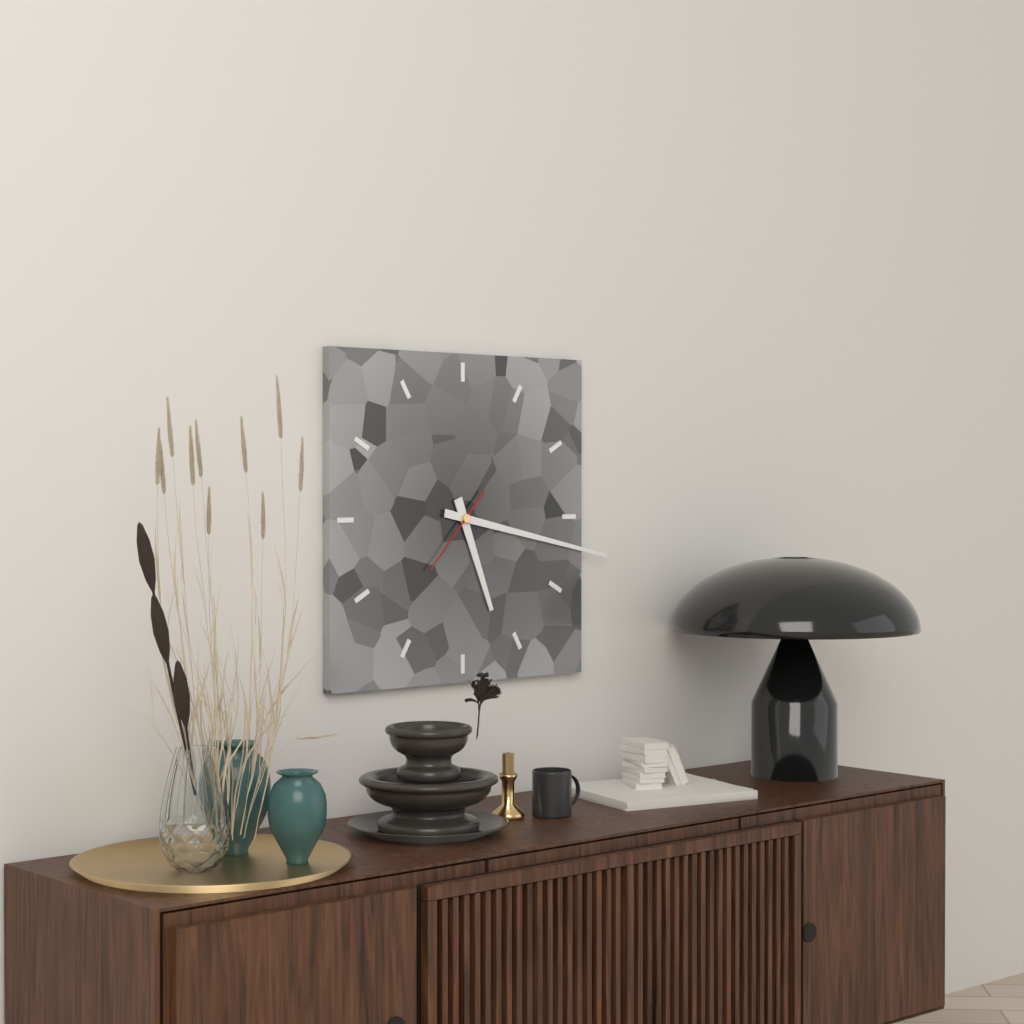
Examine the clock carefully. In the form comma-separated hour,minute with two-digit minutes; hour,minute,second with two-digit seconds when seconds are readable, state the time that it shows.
5,17,37
